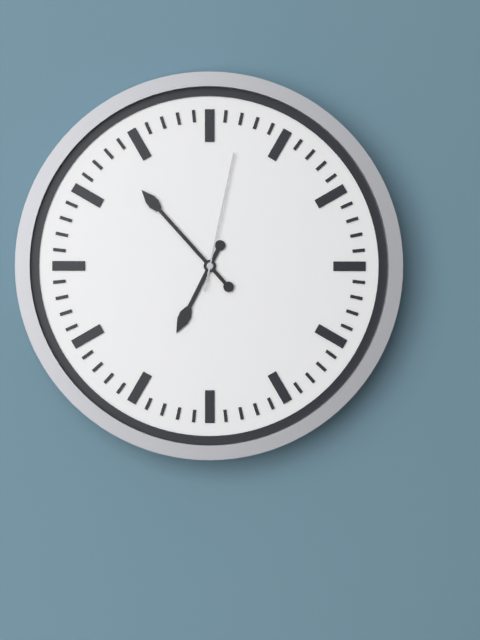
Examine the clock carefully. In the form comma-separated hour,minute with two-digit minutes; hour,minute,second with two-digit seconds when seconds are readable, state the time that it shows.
6,53,02
